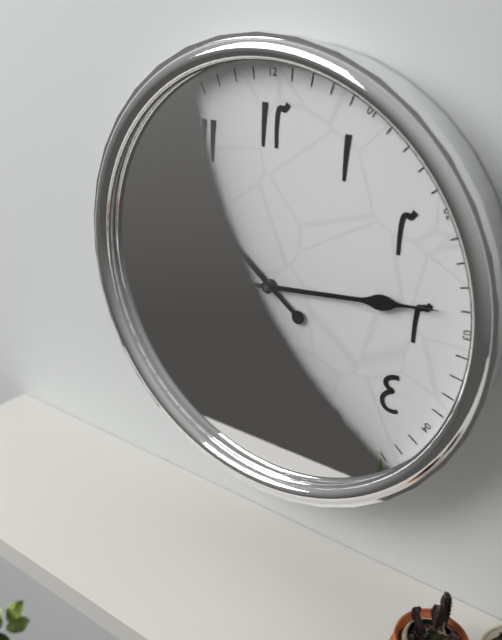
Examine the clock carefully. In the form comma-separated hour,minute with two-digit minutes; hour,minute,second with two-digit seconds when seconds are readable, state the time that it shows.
10,14
